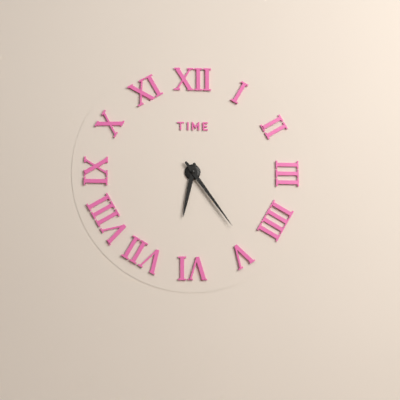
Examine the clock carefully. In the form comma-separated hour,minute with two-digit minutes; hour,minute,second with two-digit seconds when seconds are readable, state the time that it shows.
6,24
